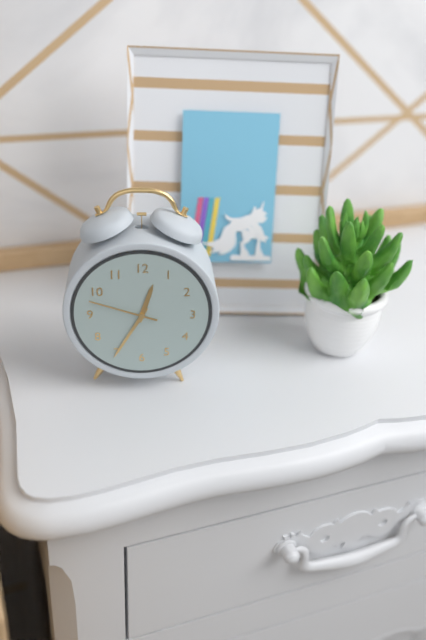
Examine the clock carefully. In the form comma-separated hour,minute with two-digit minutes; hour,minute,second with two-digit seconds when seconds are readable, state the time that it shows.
12,35,48
